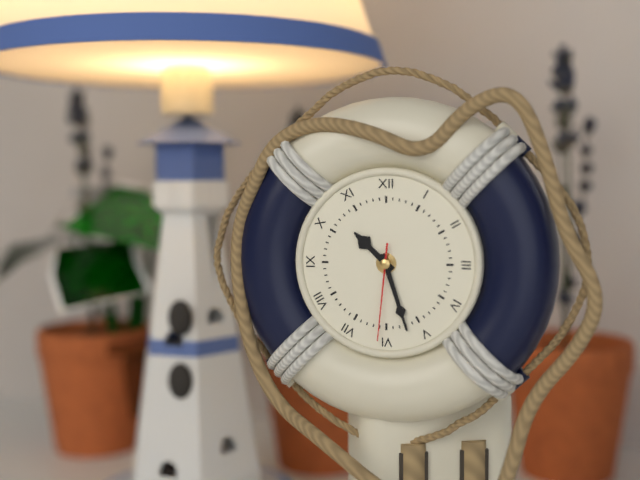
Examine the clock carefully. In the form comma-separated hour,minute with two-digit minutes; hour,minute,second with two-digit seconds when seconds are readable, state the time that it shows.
10,27,31
